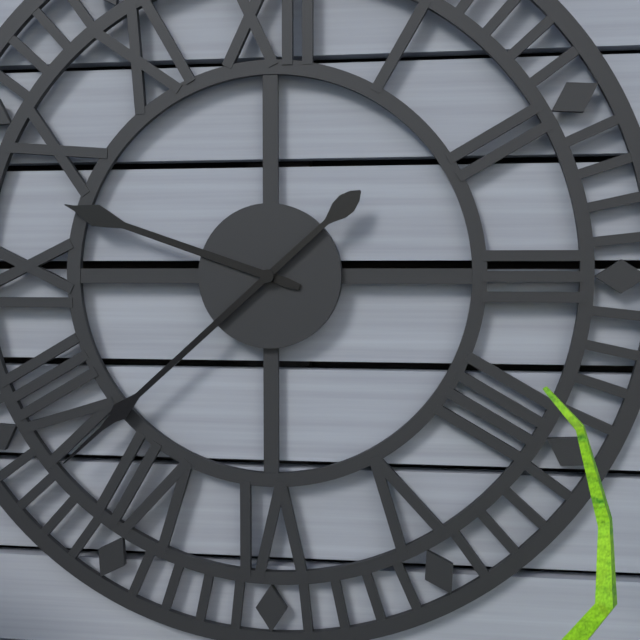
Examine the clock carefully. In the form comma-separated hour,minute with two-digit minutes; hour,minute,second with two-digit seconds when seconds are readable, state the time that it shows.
9,38
